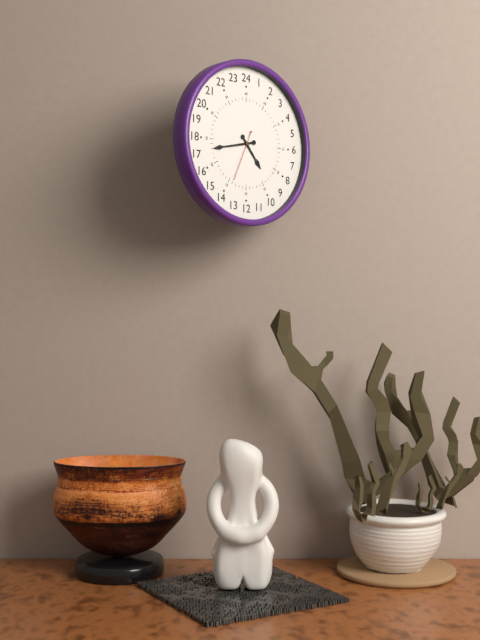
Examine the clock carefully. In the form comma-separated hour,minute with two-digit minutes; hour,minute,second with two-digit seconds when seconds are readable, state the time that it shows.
4,43
